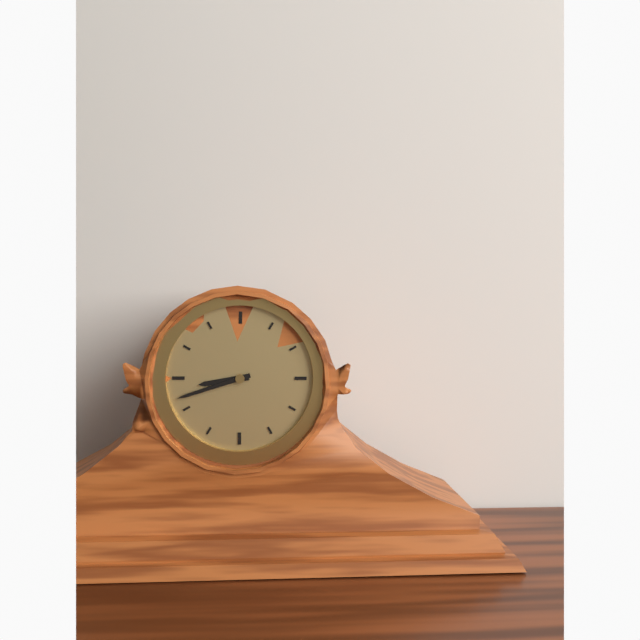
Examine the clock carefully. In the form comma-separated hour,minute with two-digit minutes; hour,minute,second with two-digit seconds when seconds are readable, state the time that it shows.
8,42
